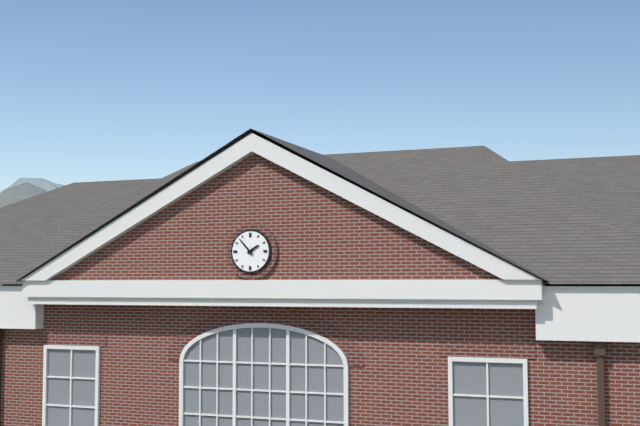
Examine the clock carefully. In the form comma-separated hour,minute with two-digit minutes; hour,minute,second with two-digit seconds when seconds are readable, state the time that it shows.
1,53
